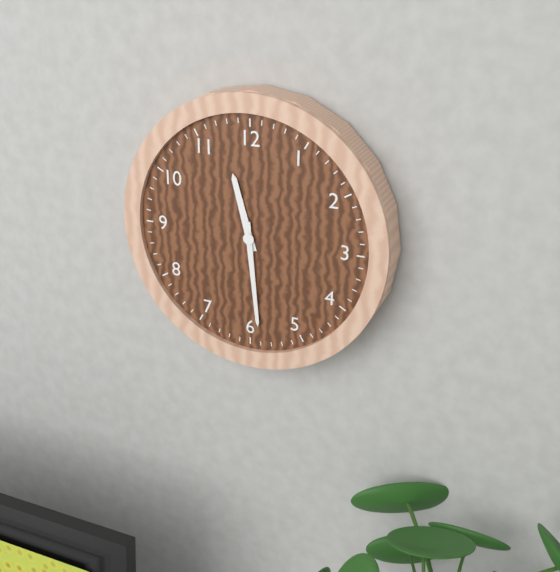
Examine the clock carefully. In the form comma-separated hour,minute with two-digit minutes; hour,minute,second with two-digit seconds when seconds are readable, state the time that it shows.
11,29
